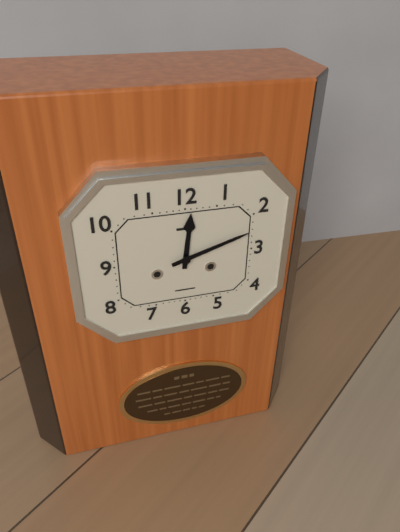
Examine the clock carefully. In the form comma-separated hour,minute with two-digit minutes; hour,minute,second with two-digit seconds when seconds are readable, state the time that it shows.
12,12
